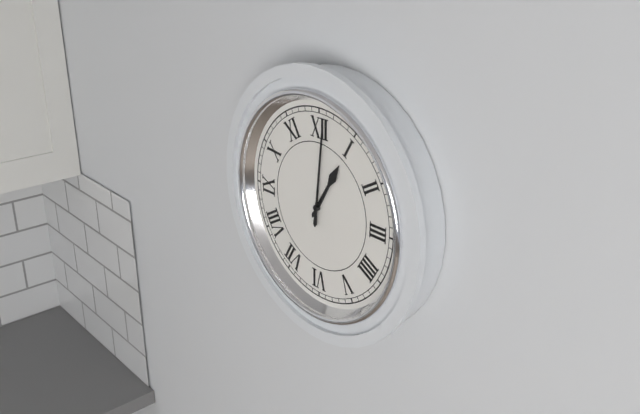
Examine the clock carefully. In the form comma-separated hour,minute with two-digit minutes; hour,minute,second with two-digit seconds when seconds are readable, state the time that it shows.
1,01
